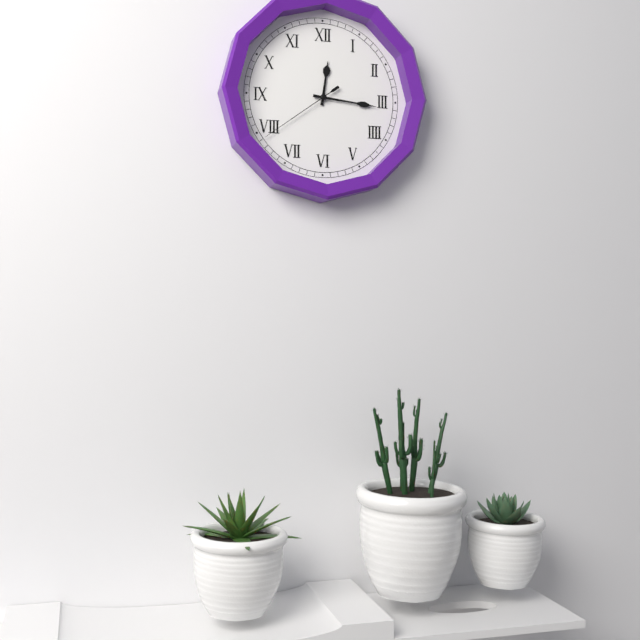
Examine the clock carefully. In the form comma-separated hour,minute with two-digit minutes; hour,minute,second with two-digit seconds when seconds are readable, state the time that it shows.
12,16,39
